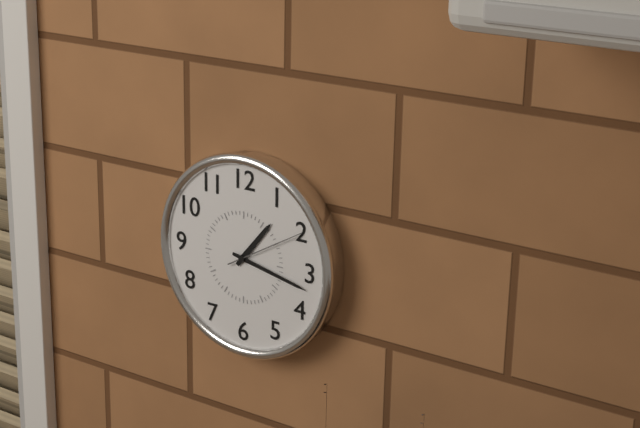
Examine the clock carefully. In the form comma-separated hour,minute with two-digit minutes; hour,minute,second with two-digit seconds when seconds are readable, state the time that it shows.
1,17,10
